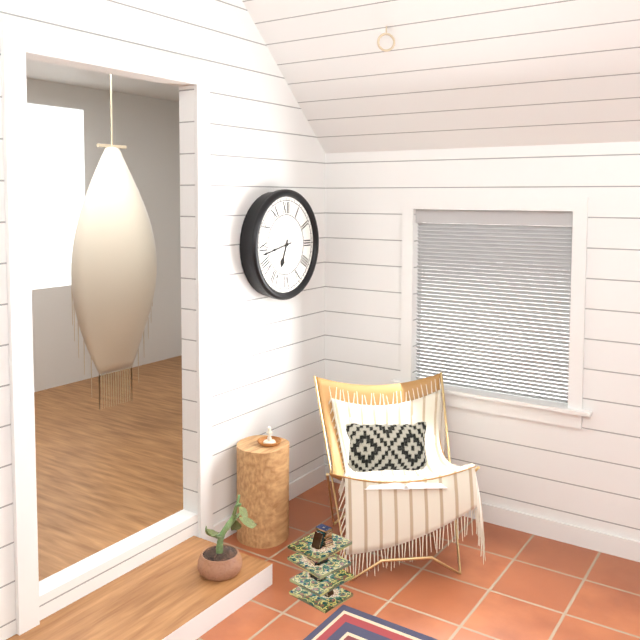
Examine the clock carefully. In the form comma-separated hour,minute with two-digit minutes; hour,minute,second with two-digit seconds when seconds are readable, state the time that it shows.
6,43
